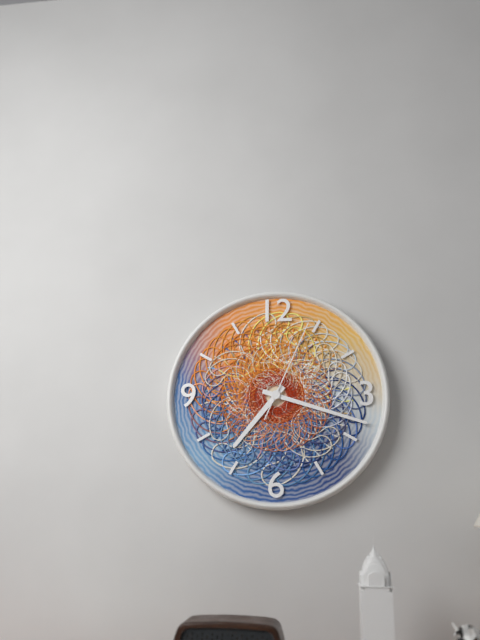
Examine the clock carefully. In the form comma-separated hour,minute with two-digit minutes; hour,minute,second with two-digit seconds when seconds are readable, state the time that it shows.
7,18,04
